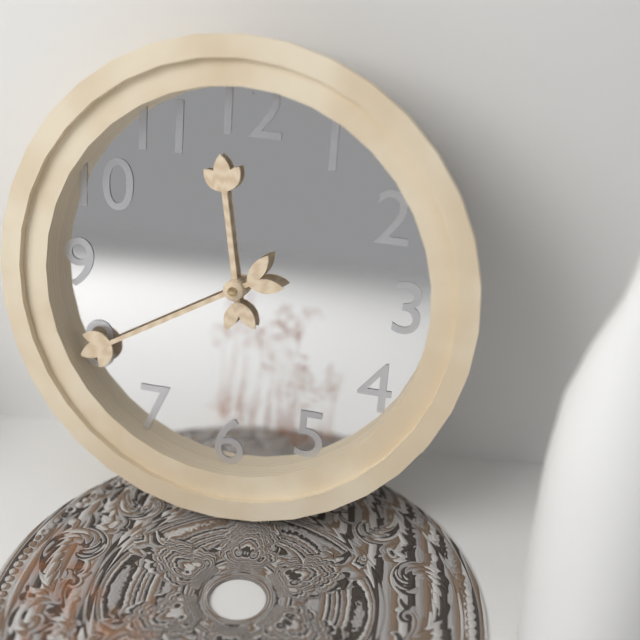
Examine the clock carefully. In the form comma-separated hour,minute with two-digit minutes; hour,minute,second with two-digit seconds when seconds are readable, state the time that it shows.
11,40
